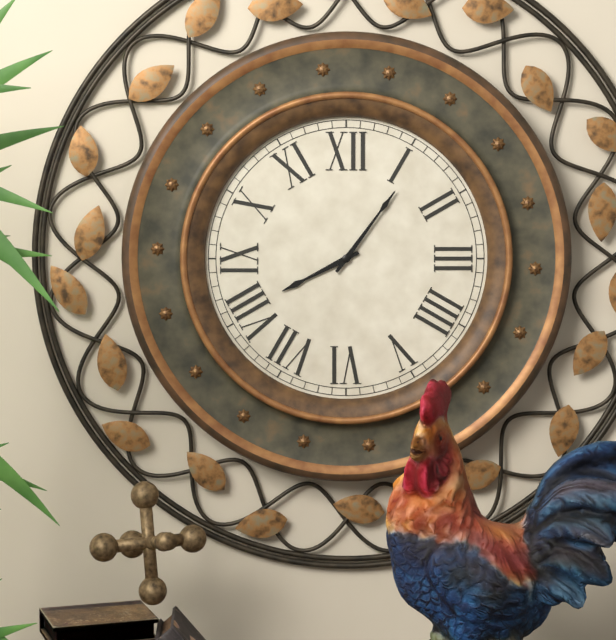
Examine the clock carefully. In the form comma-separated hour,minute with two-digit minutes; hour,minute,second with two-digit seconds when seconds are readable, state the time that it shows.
8,06
